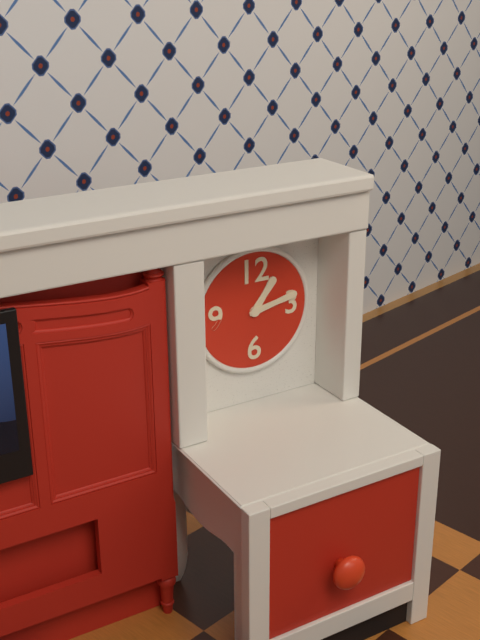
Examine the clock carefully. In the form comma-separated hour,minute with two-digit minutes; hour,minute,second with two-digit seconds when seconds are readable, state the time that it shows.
1,13
